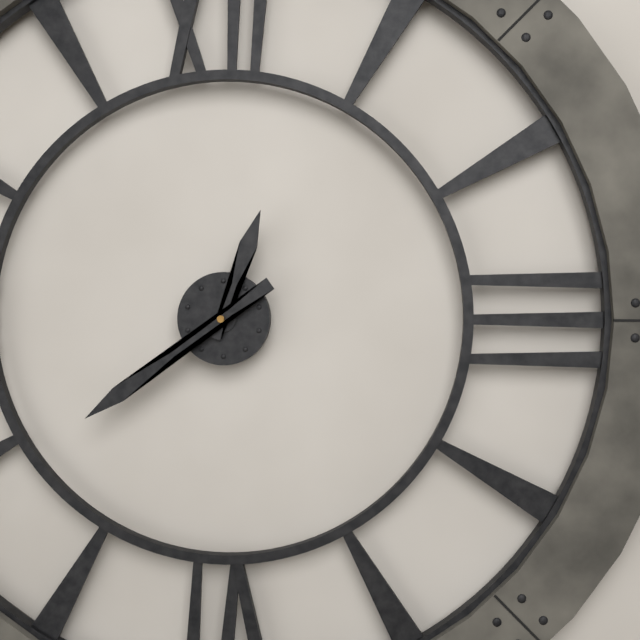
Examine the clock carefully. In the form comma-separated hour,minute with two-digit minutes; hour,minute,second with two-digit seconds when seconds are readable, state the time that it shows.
12,39
